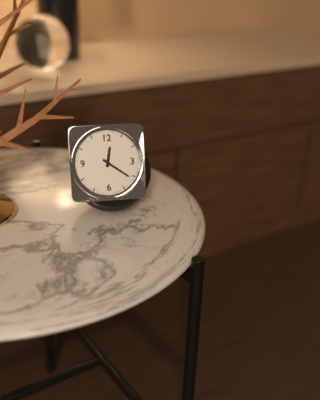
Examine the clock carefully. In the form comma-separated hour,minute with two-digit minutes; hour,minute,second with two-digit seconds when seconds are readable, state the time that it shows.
12,21
